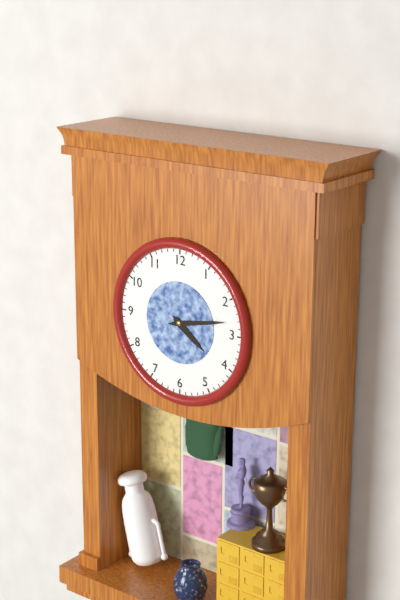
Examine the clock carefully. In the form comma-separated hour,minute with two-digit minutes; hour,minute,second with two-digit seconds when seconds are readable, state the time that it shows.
4,13
